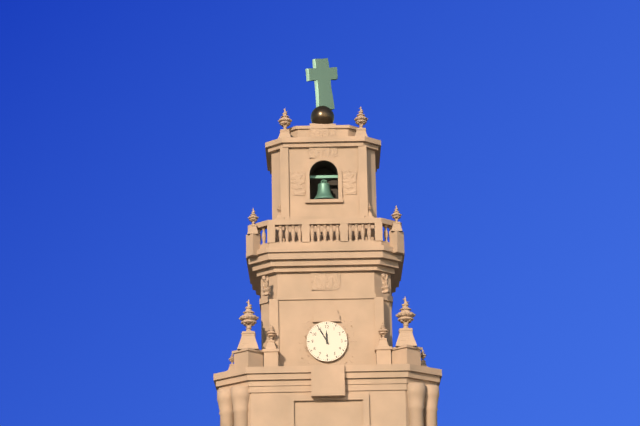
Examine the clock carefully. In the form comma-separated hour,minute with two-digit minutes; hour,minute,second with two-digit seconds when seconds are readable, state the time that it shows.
11,55
